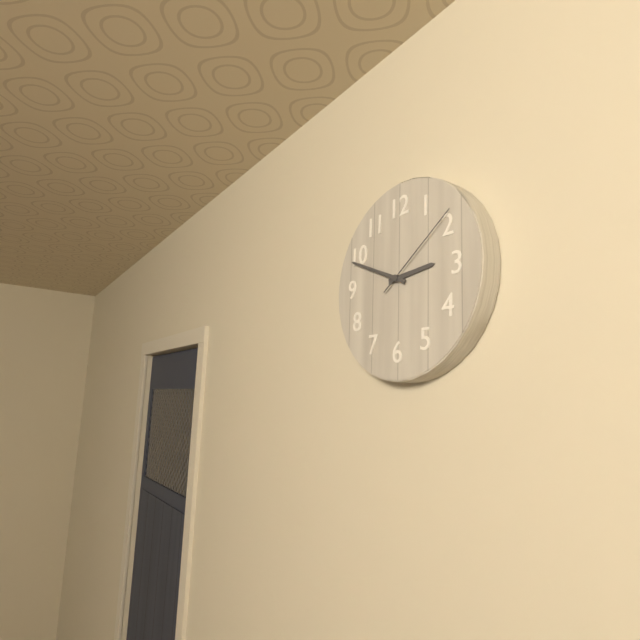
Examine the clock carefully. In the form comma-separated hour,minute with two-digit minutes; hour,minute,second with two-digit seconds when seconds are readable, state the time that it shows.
2,49,09
